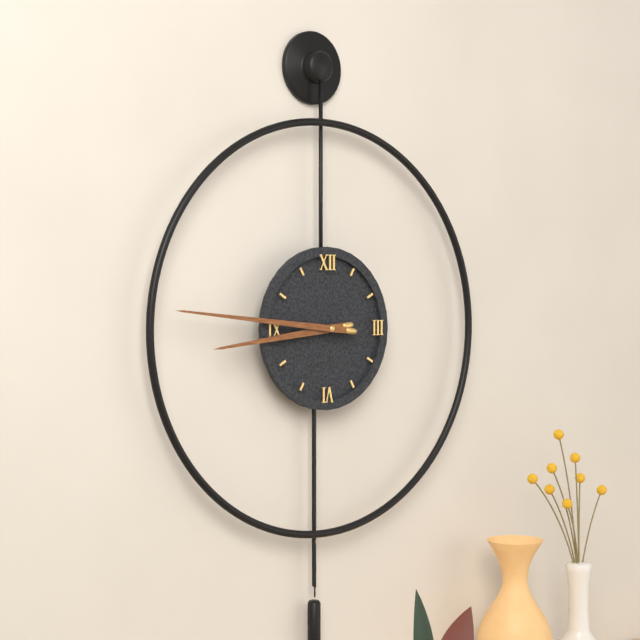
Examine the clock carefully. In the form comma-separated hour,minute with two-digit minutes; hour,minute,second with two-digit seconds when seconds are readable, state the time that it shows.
8,46
